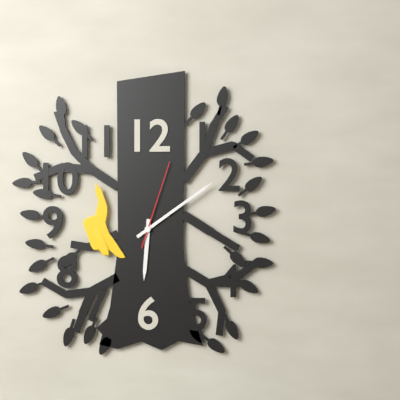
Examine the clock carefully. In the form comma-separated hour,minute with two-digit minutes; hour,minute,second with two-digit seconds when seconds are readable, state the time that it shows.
6,09,03
